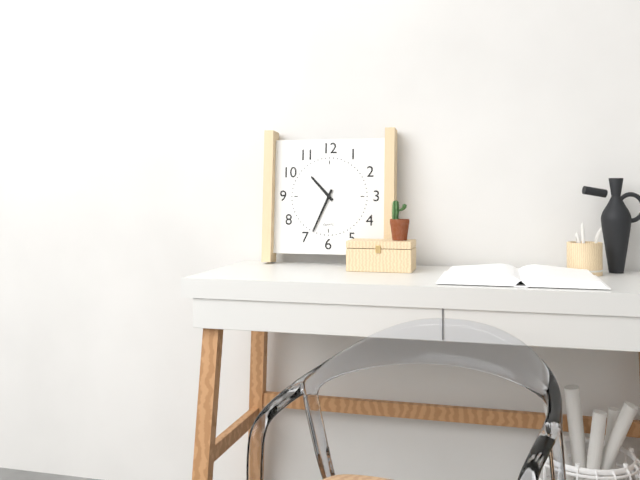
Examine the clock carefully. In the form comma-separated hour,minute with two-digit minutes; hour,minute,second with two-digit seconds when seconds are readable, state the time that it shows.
10,34
